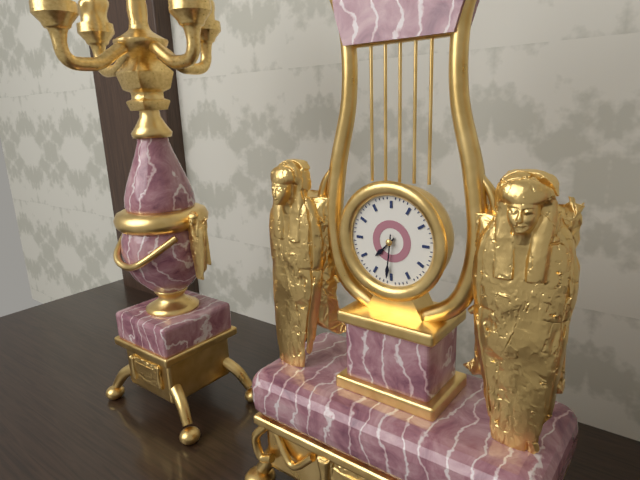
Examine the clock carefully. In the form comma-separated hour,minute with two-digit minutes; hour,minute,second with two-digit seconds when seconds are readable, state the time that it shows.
7,31
